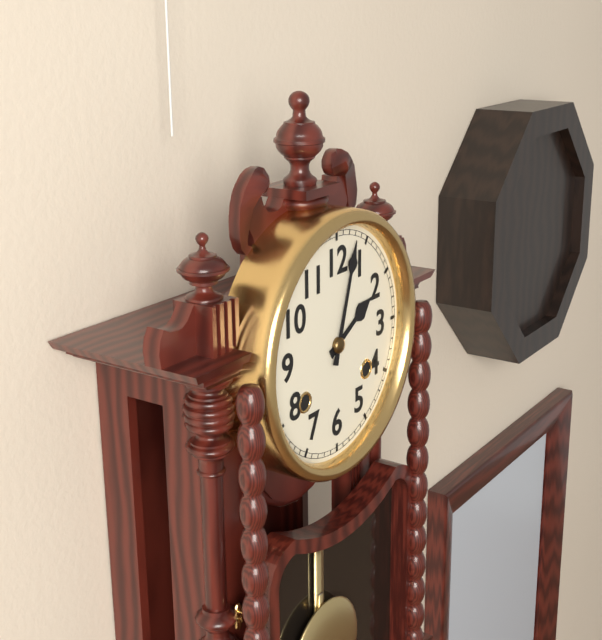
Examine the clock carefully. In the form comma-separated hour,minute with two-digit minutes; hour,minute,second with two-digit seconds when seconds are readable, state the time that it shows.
2,03
